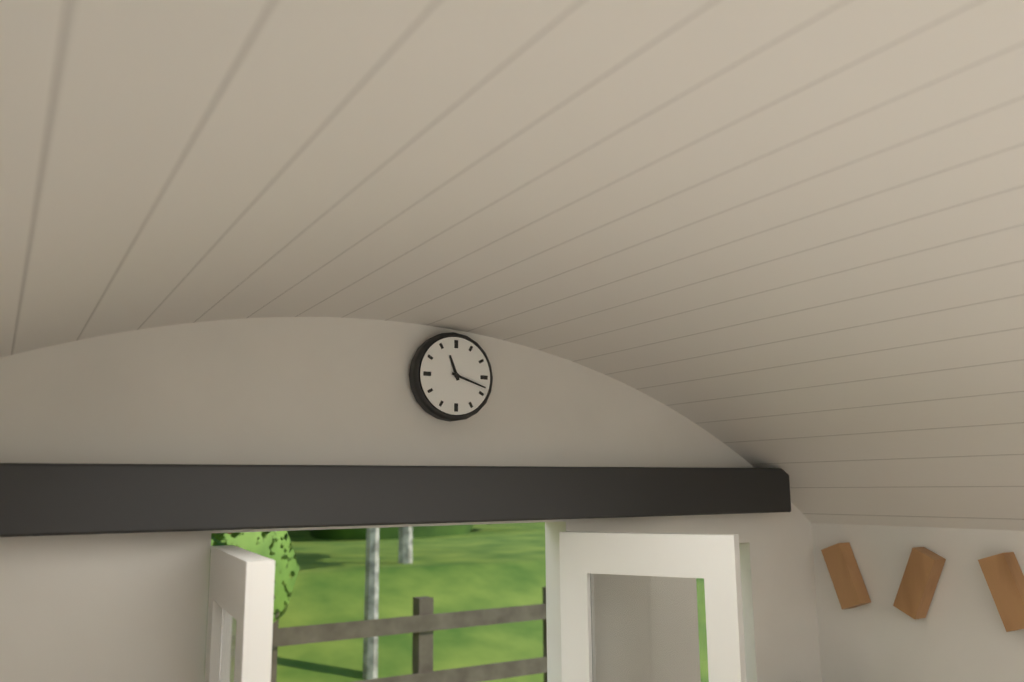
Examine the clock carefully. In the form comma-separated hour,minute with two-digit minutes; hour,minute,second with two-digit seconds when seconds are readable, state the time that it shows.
11,18
